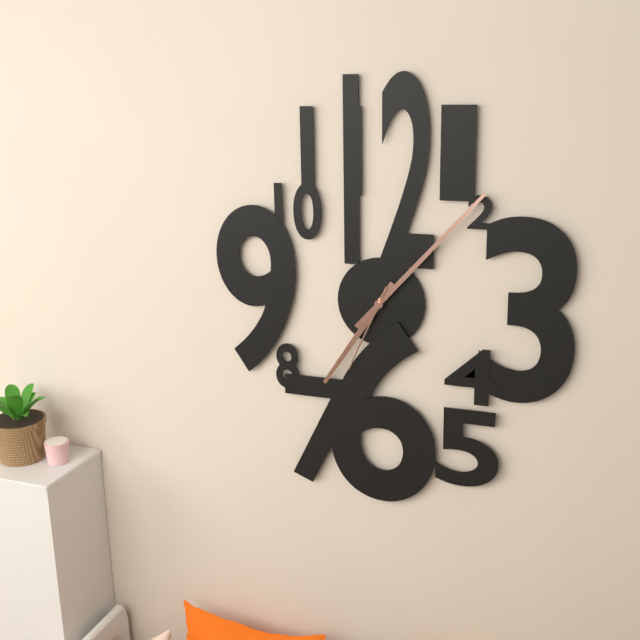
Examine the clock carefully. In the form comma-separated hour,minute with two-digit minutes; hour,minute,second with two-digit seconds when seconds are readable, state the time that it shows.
7,07,34
